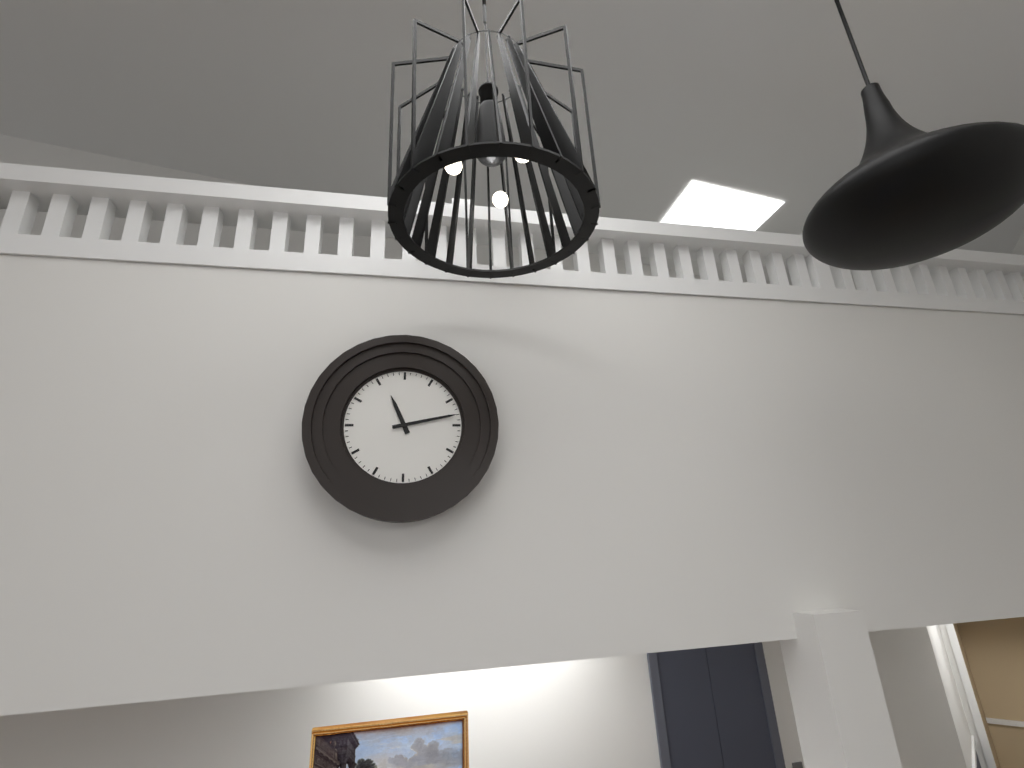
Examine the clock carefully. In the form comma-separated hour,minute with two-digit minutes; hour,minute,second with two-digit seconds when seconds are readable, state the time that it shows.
11,13
